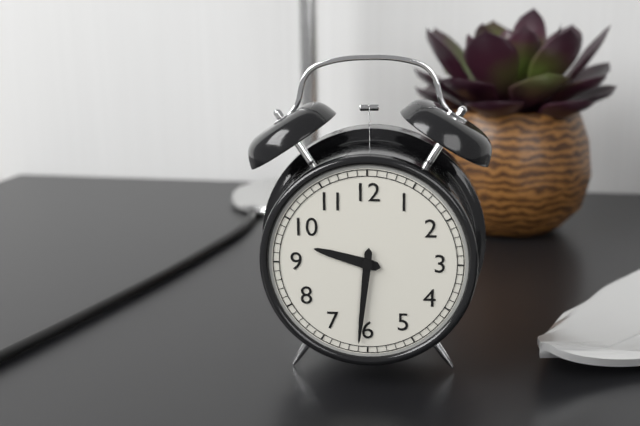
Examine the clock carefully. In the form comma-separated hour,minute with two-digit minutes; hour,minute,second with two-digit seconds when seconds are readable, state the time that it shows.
9,31
